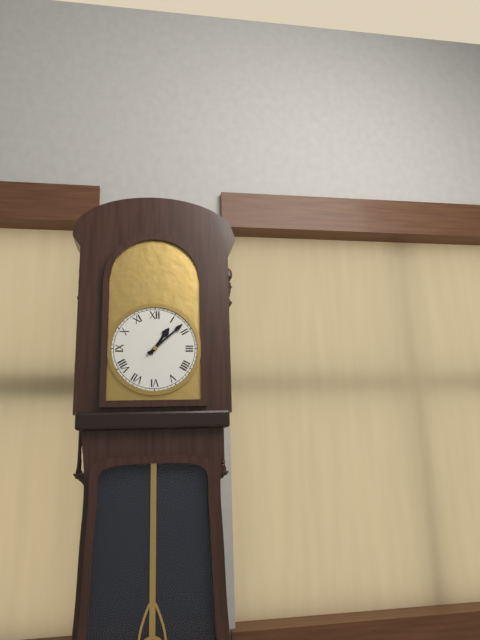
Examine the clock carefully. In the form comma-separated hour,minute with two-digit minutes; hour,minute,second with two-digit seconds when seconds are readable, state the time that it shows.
1,08
